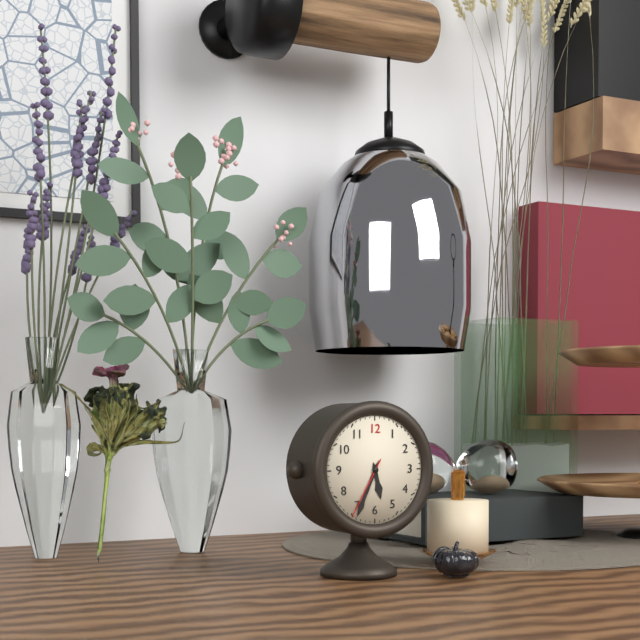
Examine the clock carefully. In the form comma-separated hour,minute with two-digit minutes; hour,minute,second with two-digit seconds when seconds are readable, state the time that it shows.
5,34,35
